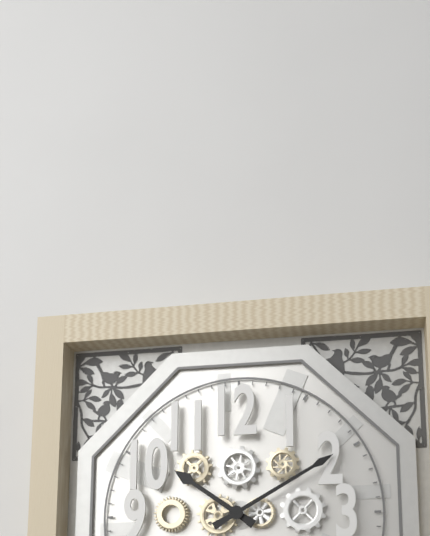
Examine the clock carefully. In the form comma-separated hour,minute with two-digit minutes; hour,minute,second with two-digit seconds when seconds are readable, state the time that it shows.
10,10
